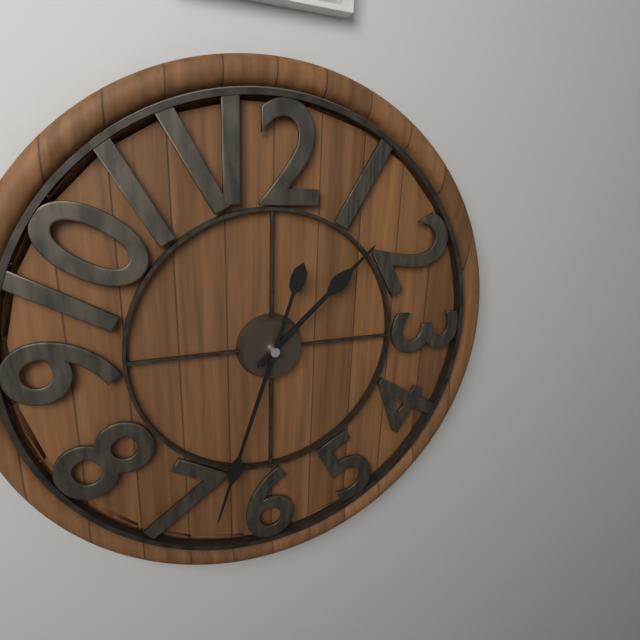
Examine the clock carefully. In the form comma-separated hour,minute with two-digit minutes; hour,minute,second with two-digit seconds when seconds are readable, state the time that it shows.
1,33
